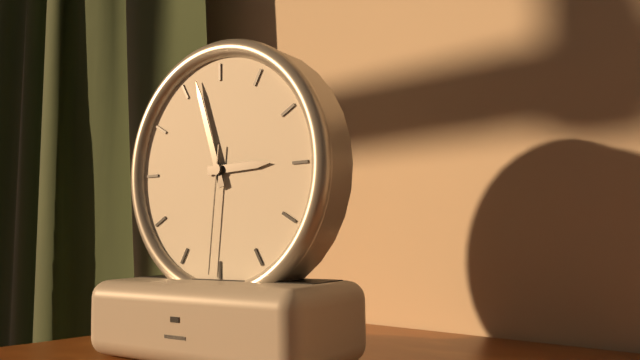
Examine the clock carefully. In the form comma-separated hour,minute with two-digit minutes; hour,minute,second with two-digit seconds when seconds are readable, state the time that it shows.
2,57,31
